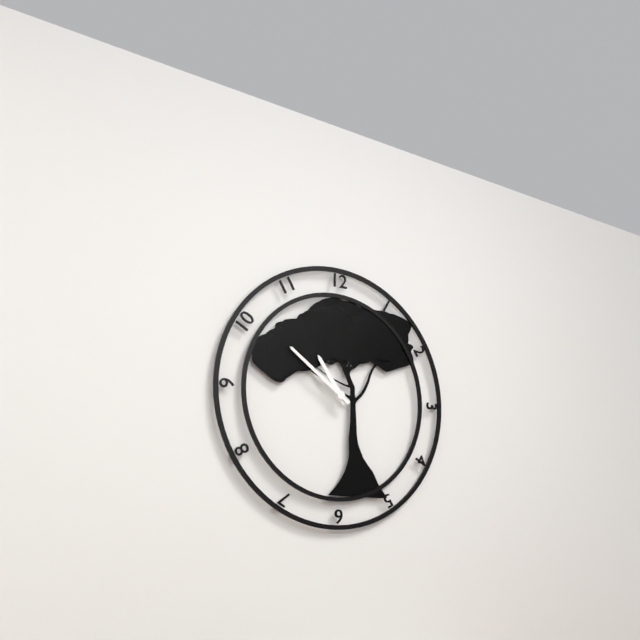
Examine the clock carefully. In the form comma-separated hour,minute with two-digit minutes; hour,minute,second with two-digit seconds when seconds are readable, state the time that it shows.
10,51
